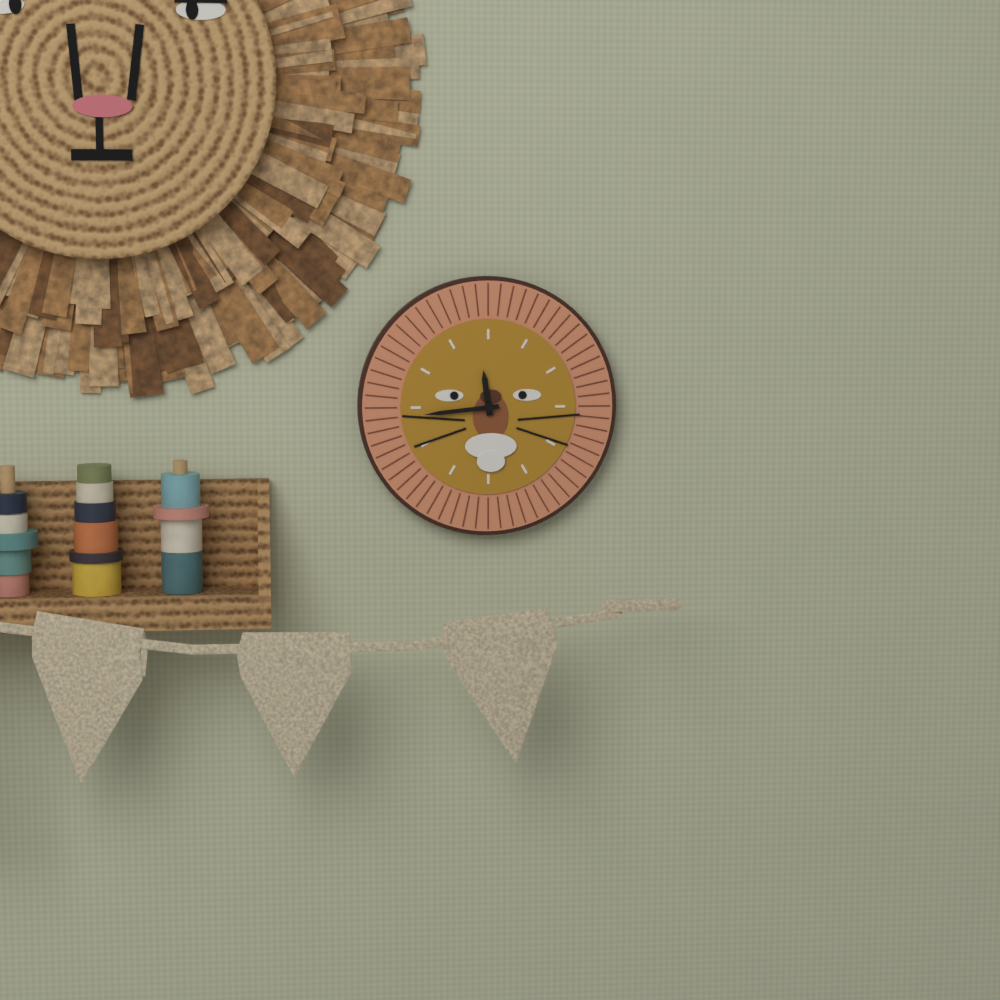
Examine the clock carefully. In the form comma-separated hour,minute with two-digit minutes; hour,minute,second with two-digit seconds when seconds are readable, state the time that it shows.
11,44
